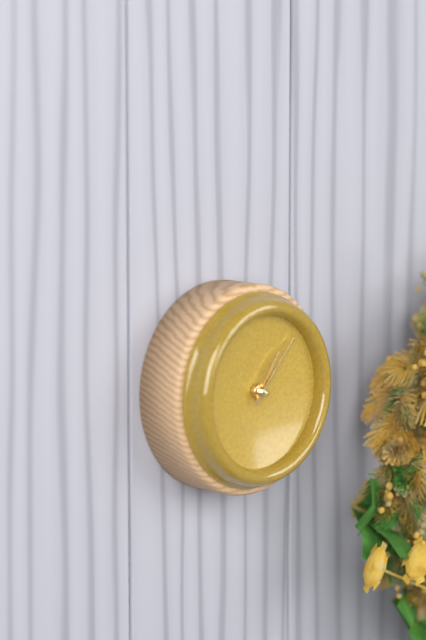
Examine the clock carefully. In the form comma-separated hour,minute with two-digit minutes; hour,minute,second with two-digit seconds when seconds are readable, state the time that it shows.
1,07
